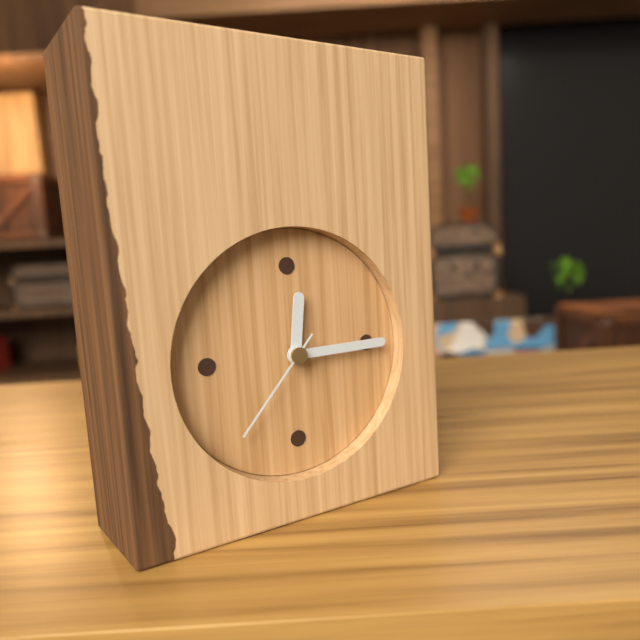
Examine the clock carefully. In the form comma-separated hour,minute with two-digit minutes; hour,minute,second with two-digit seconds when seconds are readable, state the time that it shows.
12,15,37
